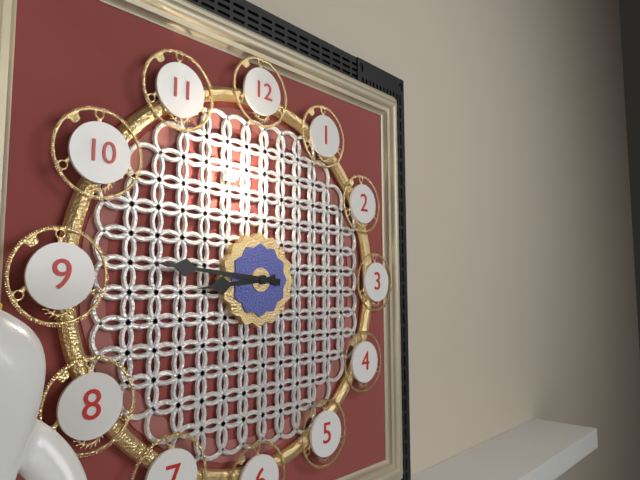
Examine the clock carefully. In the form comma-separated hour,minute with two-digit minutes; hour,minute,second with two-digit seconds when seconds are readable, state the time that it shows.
8,46
